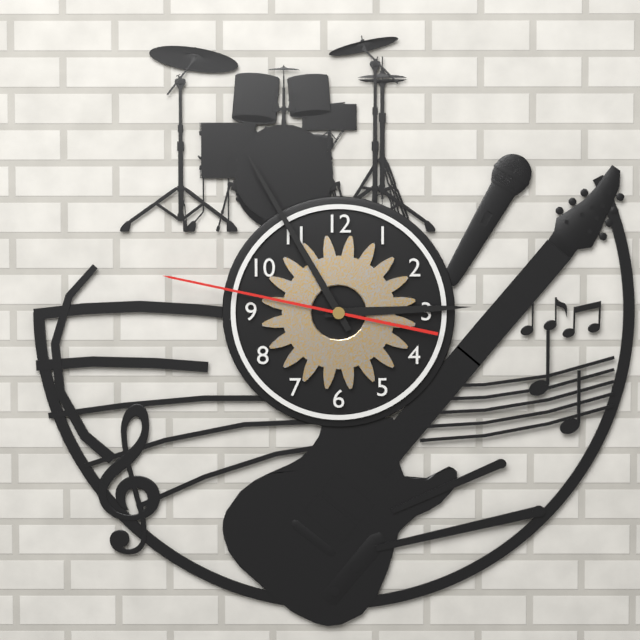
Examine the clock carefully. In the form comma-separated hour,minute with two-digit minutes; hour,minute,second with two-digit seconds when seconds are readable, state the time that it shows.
2,55,47
